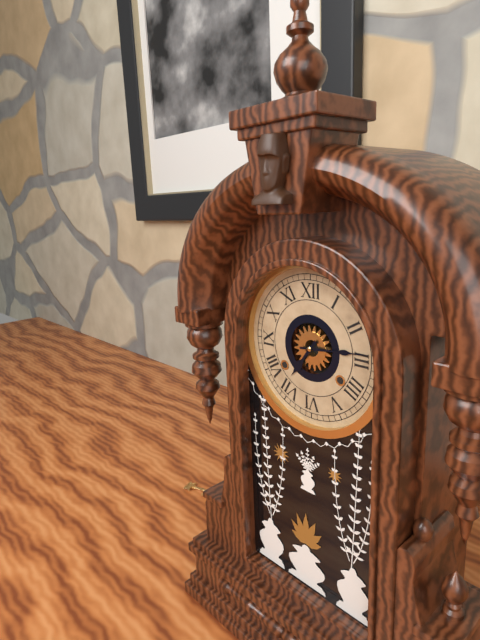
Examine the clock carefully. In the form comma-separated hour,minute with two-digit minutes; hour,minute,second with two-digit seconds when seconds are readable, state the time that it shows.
7,14
